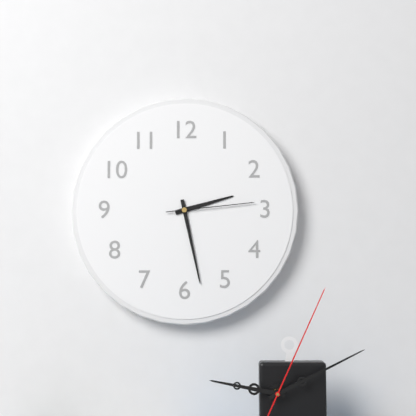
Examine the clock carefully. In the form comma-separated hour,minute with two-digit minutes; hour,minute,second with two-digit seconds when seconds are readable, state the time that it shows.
2,28,14
